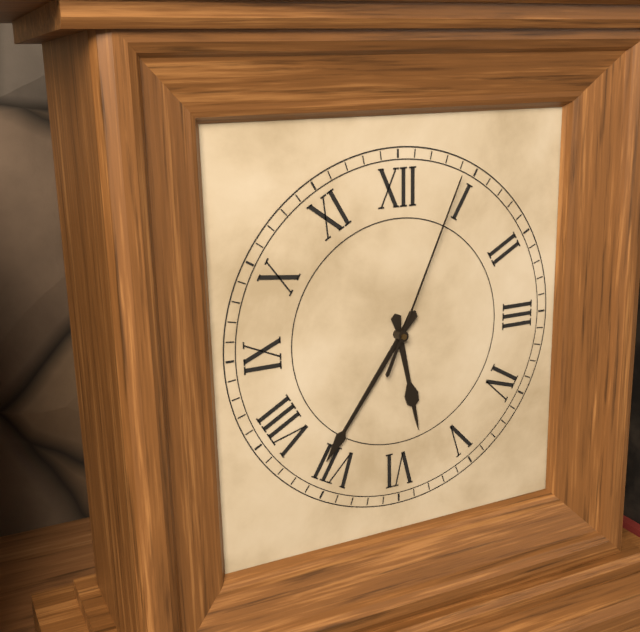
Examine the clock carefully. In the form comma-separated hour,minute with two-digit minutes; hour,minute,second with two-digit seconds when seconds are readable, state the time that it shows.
5,36,04
